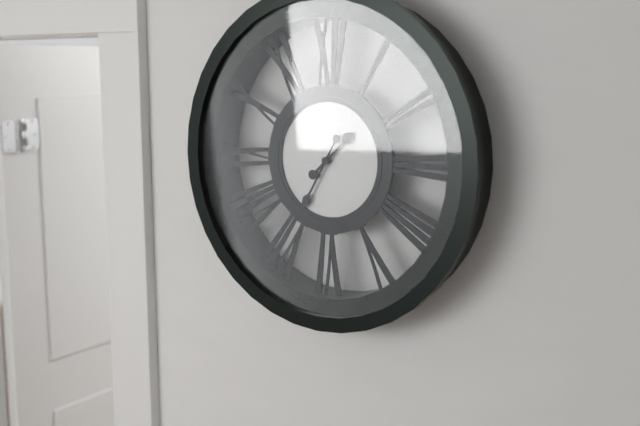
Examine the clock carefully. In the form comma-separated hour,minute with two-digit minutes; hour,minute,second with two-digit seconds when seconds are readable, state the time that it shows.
1,35
